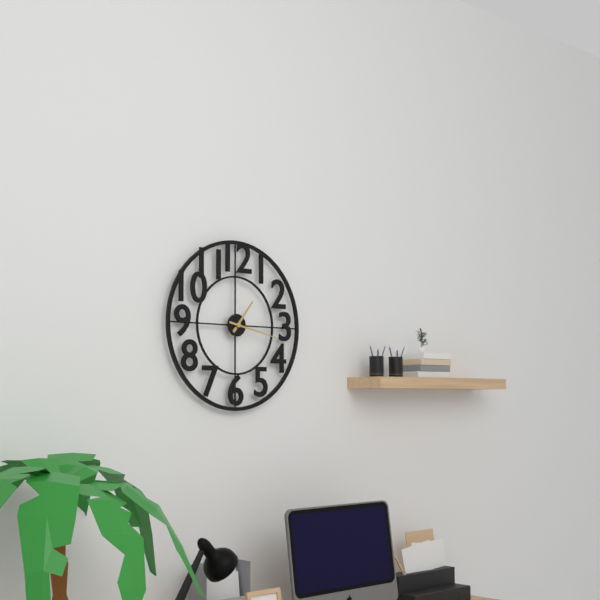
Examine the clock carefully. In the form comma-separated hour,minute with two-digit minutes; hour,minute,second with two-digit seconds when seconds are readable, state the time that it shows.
1,17
